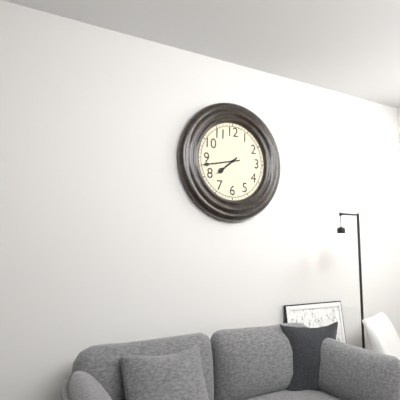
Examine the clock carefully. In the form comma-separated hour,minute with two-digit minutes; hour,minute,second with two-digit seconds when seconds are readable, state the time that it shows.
7,43
